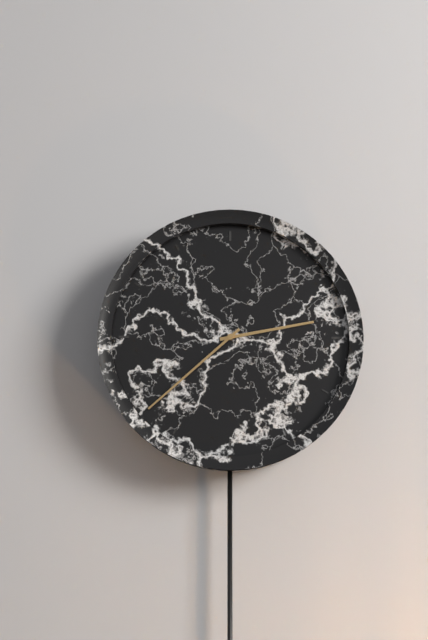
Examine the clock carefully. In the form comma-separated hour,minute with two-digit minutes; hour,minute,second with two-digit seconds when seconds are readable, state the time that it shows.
2,38
